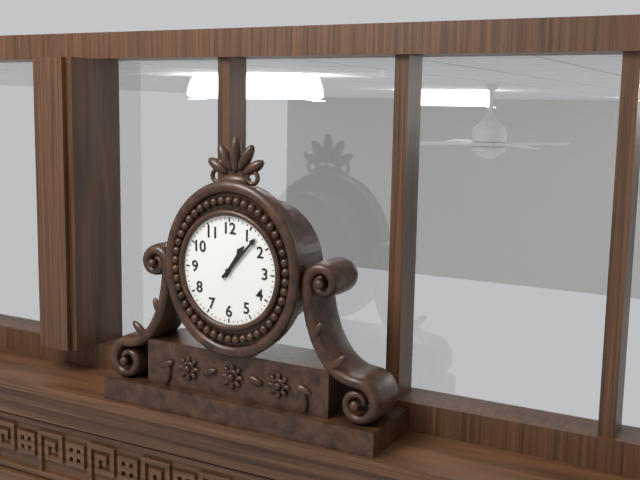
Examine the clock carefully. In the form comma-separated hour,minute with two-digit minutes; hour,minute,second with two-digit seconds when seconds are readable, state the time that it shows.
1,07
